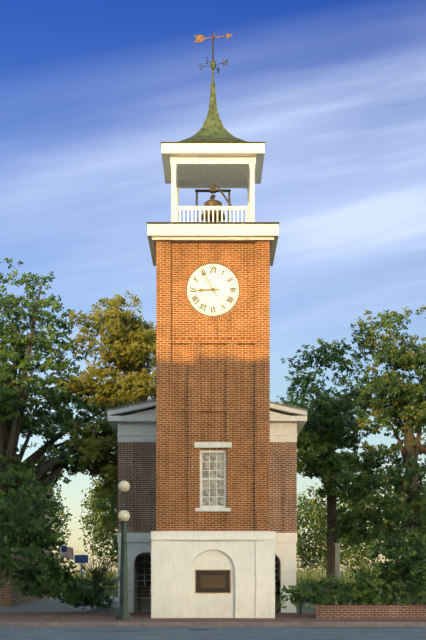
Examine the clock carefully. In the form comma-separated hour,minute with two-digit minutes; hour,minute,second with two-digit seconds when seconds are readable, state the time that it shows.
8,55
